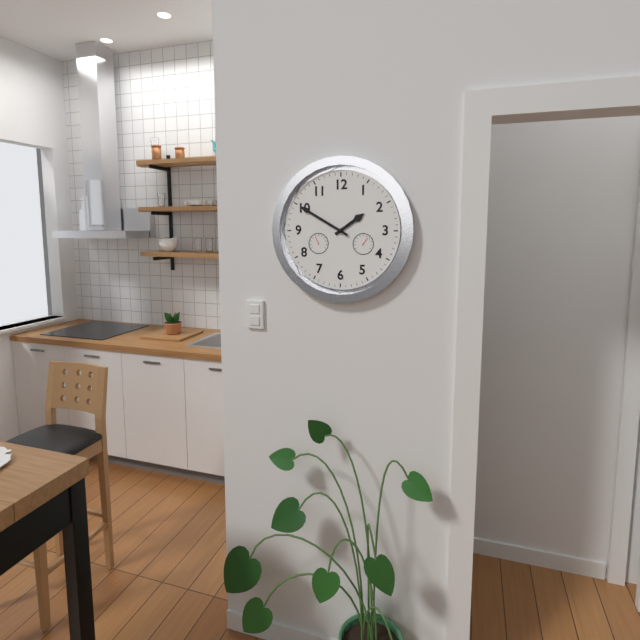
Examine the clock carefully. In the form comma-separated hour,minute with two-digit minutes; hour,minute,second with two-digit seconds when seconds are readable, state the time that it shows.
1,50
